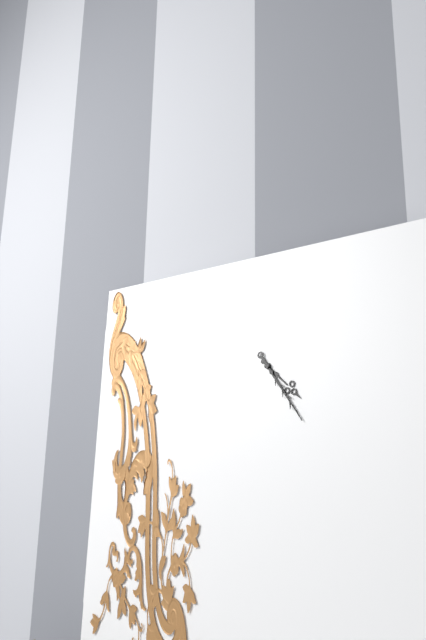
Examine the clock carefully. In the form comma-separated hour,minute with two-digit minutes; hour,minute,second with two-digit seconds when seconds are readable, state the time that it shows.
4,24
